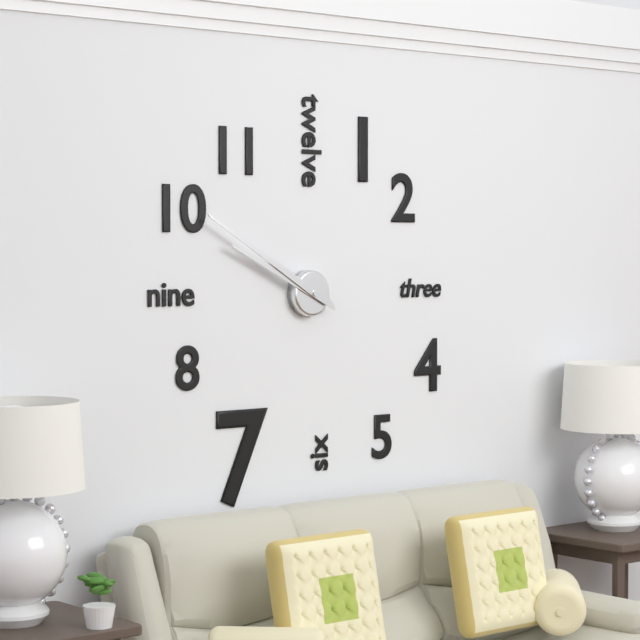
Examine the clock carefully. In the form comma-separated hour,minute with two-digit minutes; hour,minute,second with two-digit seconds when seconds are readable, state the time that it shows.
9,50
